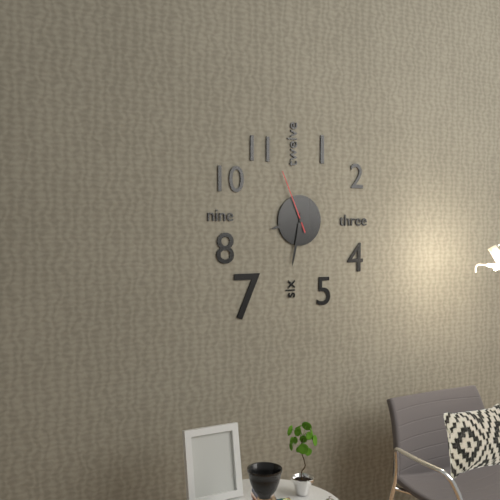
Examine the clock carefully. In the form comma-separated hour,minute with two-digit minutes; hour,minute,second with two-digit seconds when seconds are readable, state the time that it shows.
8,32,56
